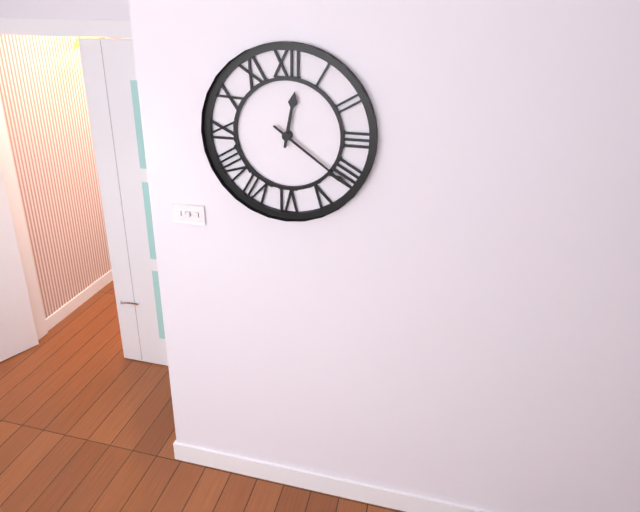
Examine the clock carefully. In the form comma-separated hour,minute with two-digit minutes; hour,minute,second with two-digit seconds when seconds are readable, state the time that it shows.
12,21
